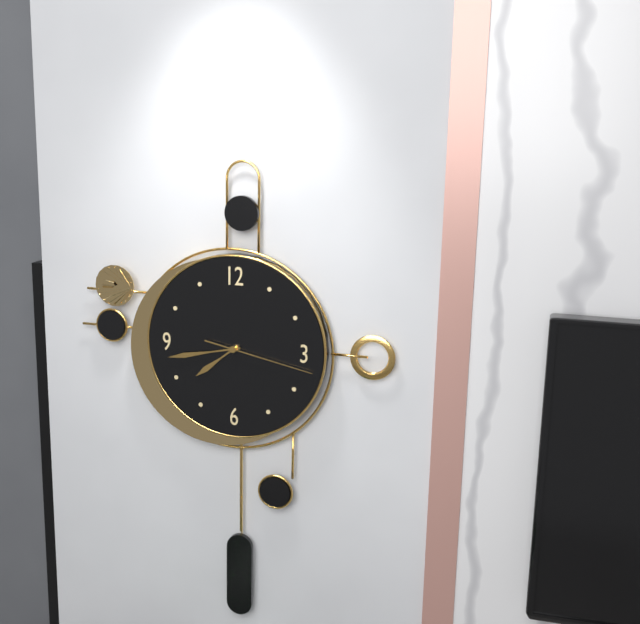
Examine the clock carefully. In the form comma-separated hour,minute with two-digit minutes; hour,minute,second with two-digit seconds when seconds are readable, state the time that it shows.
7,43,17
